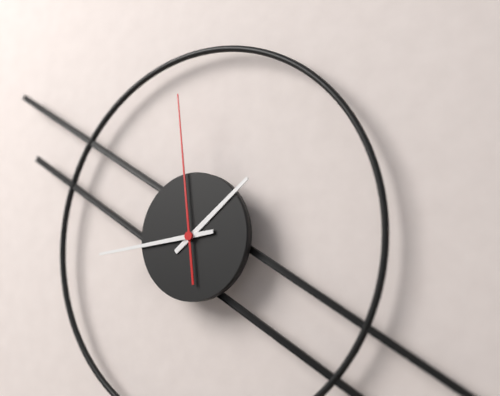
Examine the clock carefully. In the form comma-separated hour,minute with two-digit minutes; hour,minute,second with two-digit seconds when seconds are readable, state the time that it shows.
1,44,59
